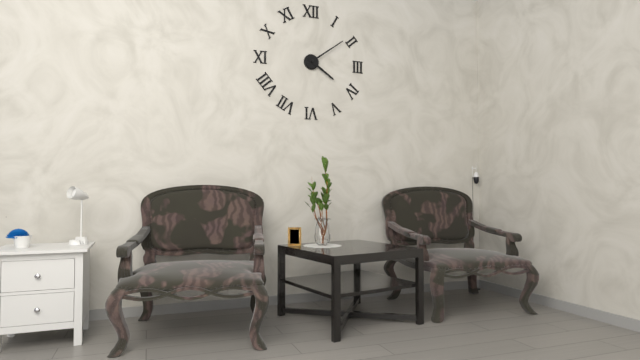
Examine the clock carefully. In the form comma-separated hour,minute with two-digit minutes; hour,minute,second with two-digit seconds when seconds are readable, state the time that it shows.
4,09
